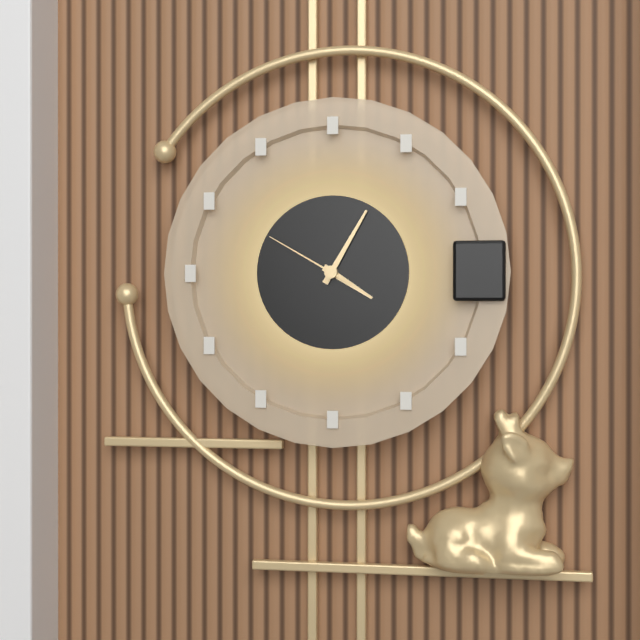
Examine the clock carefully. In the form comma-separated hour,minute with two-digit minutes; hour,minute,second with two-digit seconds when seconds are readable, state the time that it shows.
4,05,50
